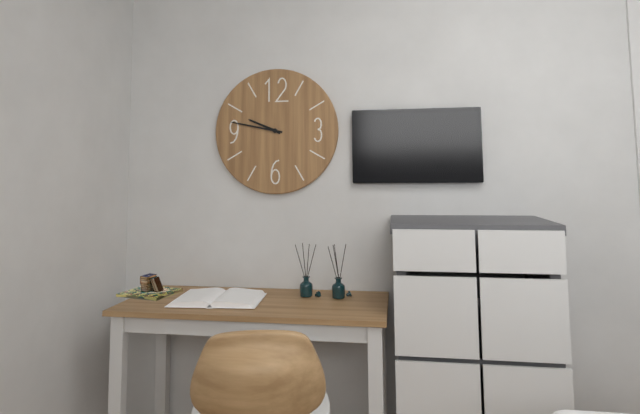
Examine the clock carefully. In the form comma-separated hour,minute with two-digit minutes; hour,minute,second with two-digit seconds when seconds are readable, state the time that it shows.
9,47
